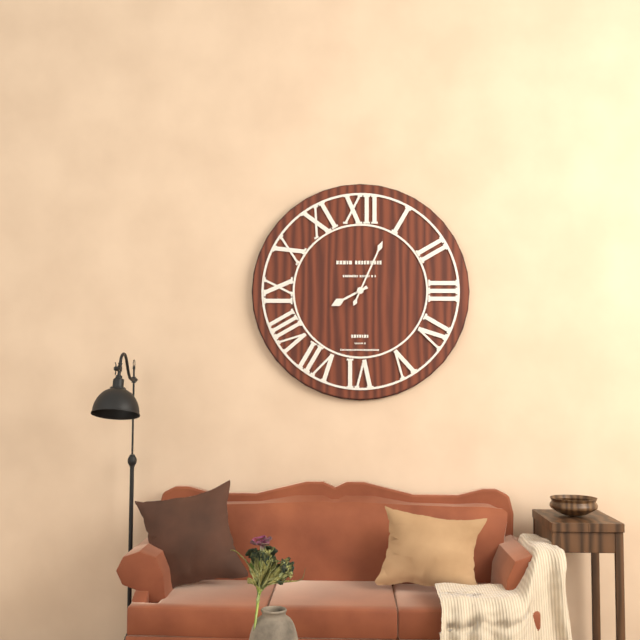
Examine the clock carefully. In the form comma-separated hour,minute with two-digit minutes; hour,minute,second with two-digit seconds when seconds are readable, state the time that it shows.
8,04
